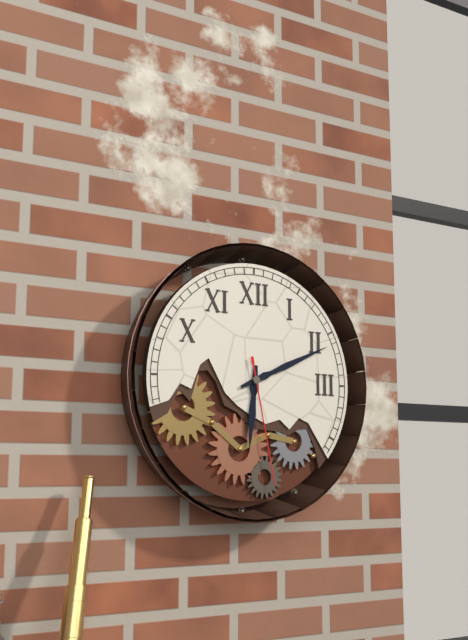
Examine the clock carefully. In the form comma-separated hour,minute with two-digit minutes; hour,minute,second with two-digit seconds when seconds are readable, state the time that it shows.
6,11,28
